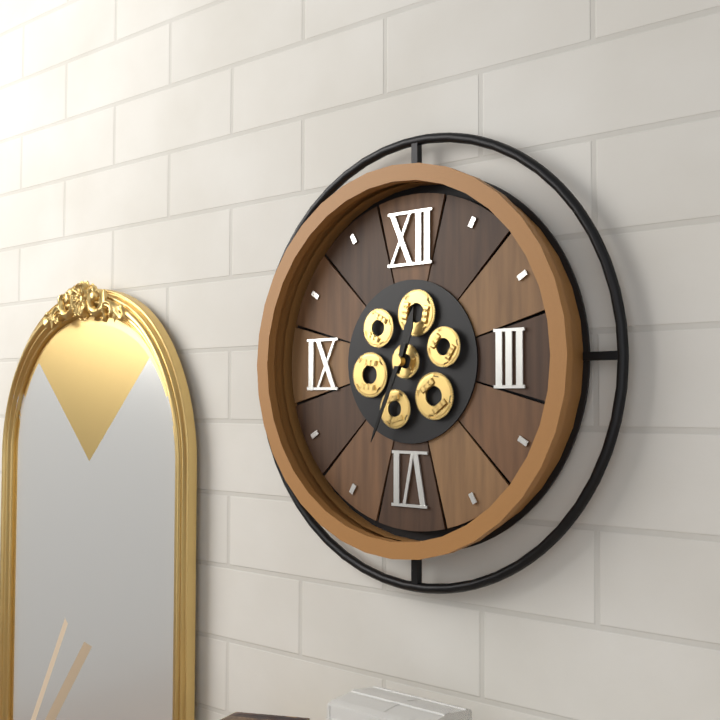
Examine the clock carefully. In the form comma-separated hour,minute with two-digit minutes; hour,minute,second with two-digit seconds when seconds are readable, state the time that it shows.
12,34
